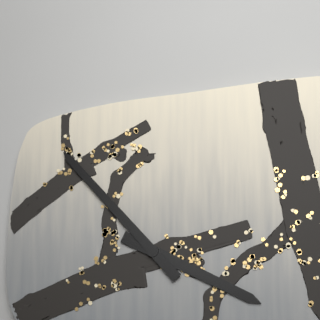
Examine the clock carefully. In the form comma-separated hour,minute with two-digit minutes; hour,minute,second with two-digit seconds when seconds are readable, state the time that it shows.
3,53
